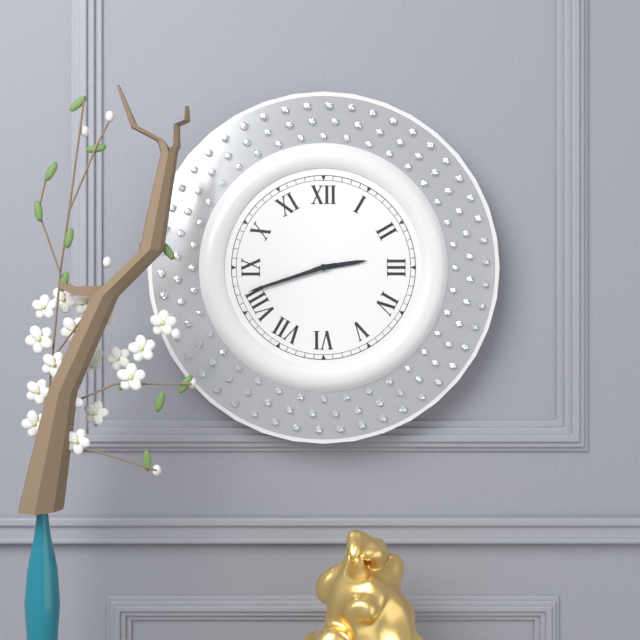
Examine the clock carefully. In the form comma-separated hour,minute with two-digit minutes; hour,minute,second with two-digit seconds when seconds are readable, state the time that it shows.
2,42
